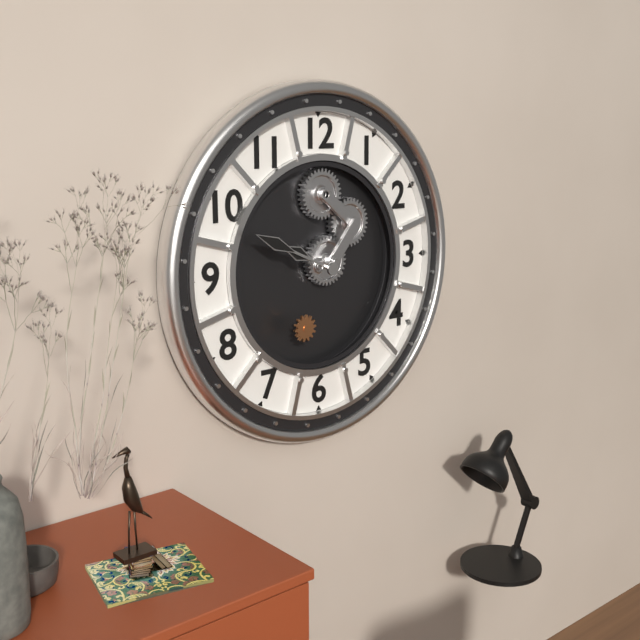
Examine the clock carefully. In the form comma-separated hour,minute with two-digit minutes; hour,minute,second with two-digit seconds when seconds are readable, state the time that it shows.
9,49
